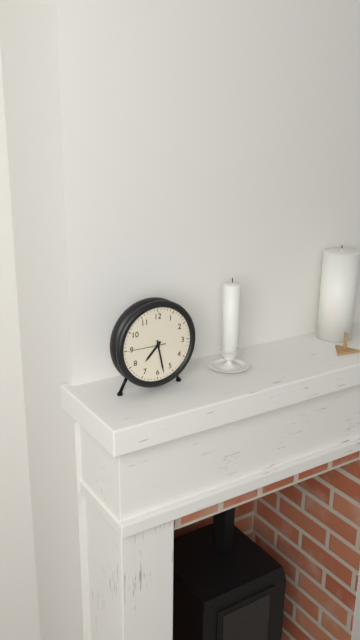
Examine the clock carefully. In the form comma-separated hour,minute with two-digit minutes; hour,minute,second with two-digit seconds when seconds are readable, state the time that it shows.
7,28
